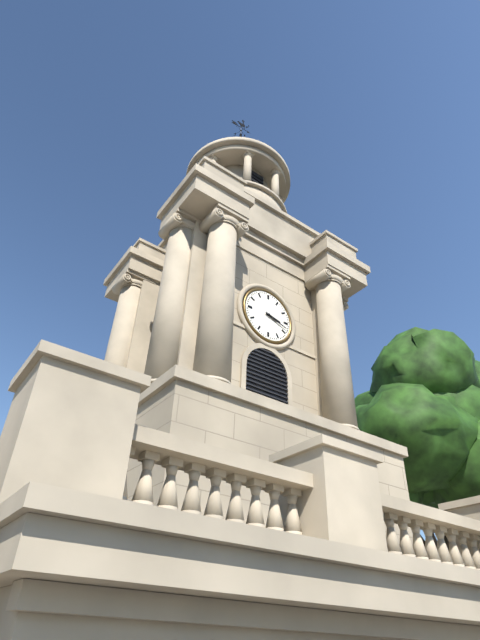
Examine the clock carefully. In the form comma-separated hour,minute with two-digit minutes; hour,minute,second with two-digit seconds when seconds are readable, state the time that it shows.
3,18
